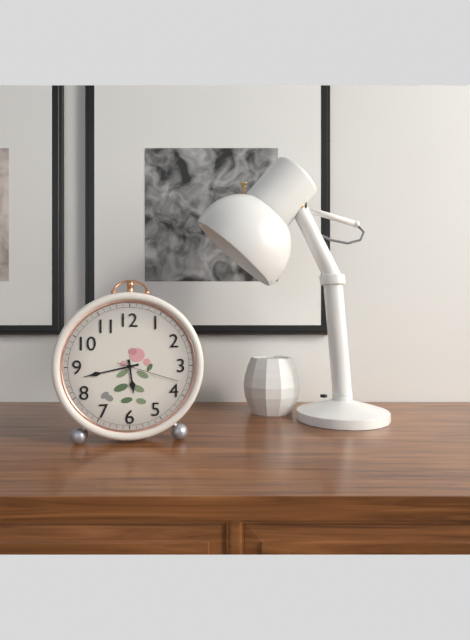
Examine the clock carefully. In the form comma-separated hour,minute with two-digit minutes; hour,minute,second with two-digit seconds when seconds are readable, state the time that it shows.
5,43,18
